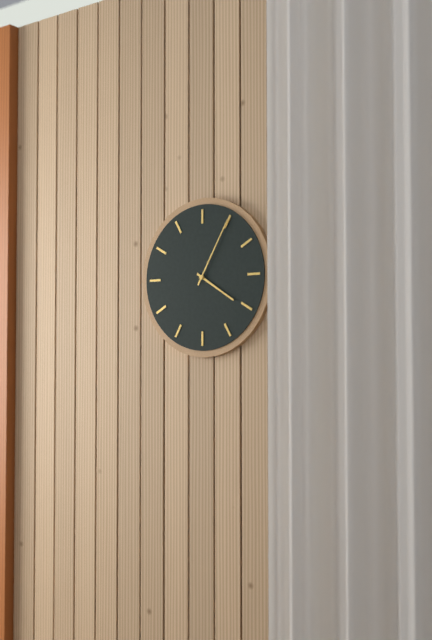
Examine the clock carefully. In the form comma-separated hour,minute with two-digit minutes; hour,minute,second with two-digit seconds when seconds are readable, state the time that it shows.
4,05
